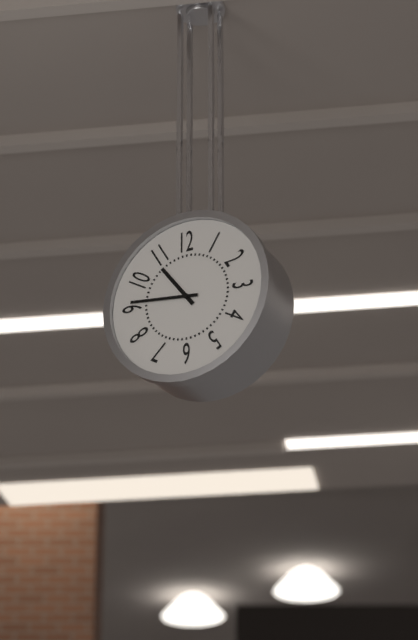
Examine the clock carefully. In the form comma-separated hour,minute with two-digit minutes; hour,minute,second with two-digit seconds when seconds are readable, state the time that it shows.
10,46
